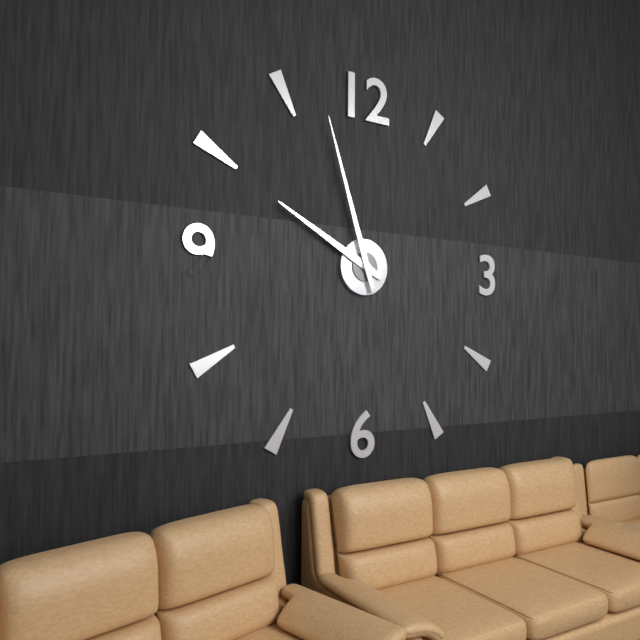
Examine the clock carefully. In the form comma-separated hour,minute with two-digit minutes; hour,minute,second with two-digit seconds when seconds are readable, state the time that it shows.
9,57
